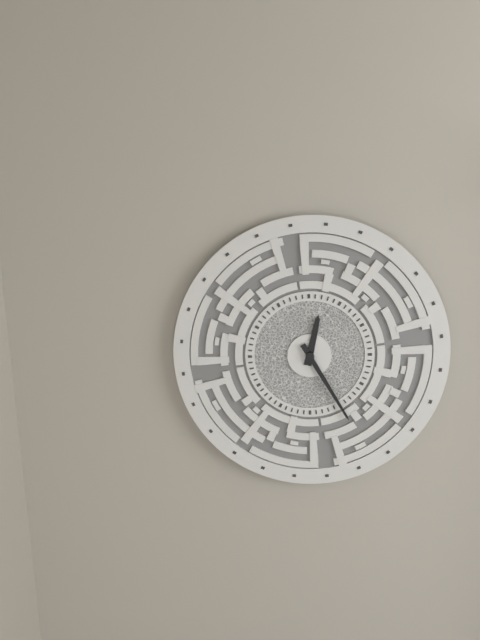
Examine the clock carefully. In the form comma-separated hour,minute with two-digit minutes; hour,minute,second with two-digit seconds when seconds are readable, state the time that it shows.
12,25
